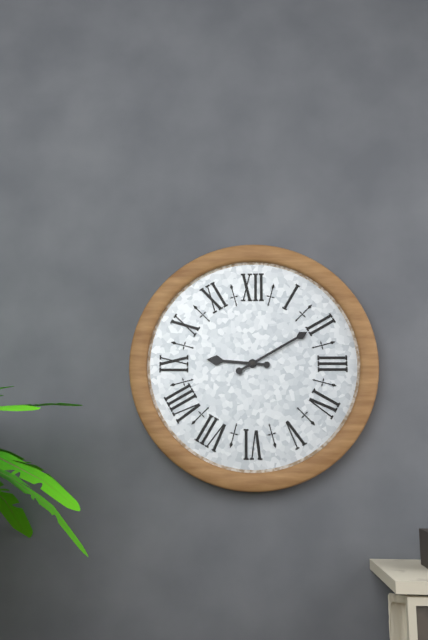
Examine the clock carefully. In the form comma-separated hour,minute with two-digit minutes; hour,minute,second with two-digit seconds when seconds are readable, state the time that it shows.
9,10
